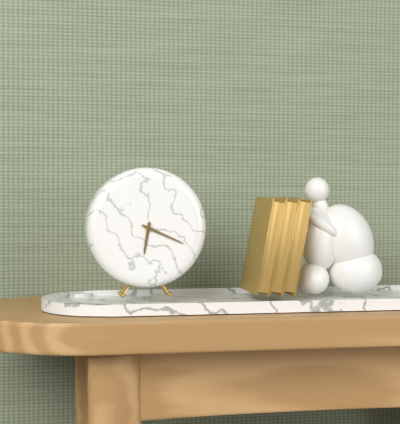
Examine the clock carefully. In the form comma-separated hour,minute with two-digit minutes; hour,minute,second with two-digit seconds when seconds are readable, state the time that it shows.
6,19
